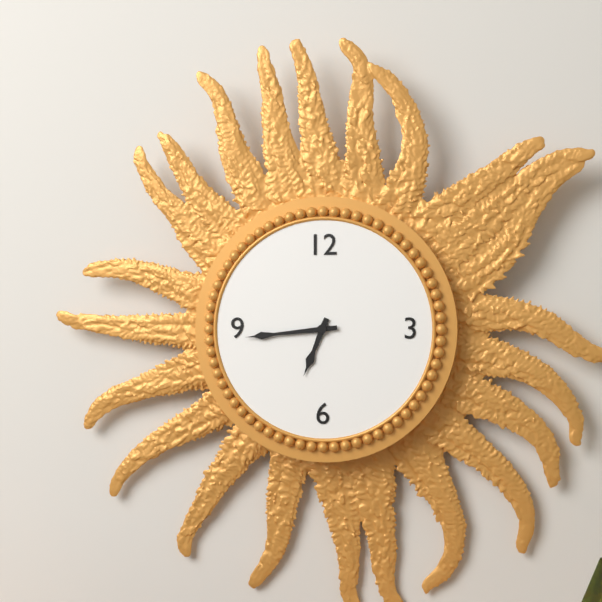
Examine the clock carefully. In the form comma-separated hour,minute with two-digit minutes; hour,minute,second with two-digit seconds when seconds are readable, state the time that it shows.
6,44
